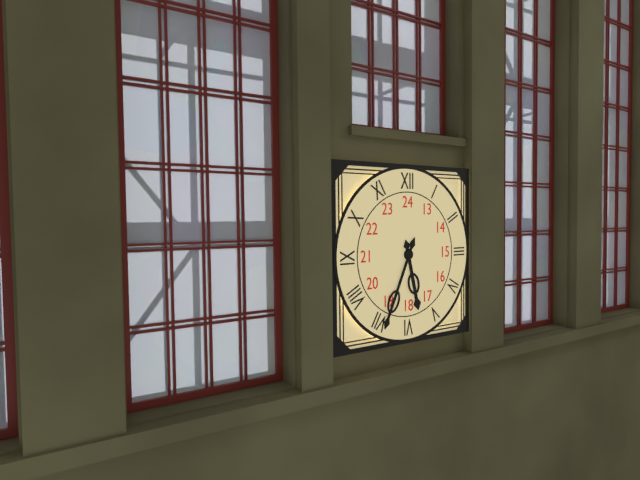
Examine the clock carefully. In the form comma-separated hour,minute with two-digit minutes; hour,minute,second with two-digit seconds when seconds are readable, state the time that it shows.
5,34
